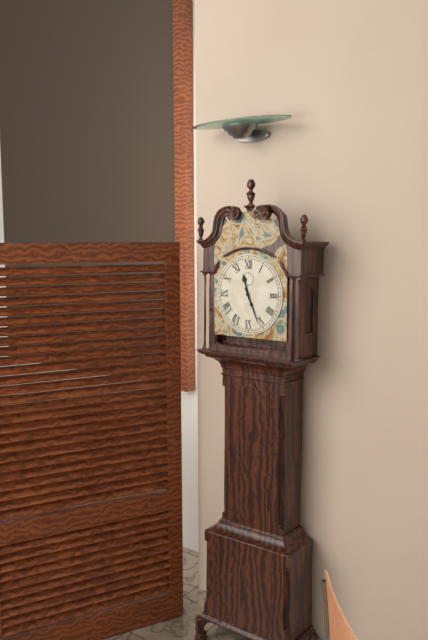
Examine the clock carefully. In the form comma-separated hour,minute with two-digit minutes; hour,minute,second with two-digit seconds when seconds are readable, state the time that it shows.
11,26
